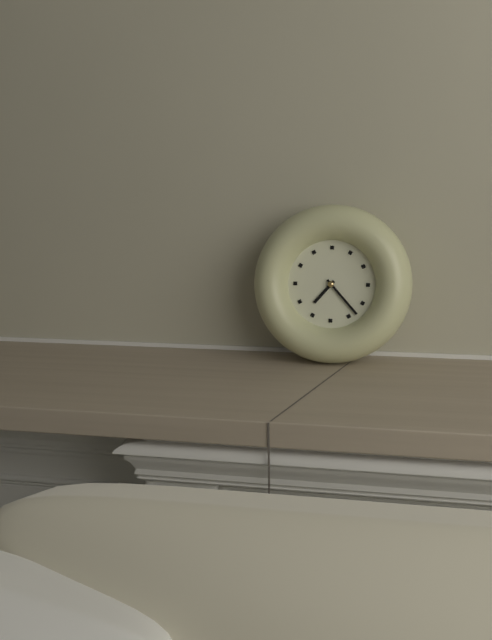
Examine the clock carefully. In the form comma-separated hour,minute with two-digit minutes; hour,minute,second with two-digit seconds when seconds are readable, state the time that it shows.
7,23
